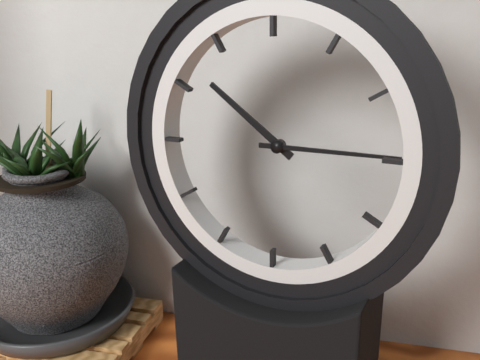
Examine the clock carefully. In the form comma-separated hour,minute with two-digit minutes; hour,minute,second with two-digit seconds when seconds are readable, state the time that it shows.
10,15
